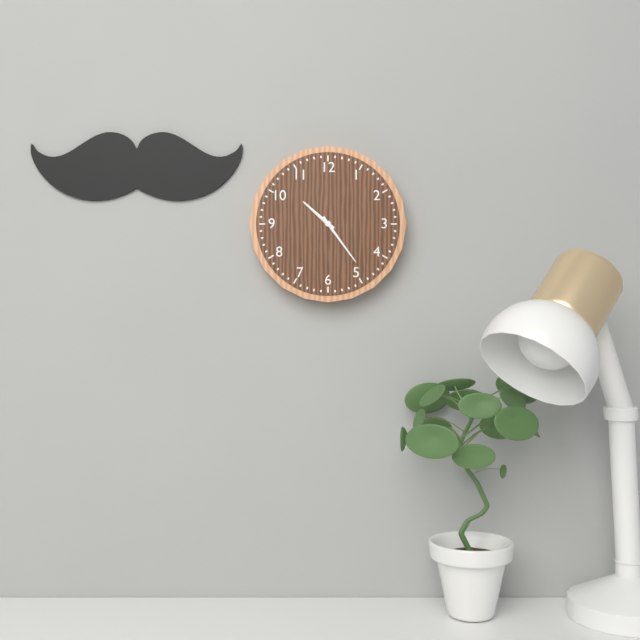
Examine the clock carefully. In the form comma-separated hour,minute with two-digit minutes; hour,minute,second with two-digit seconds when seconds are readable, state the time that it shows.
10,24
